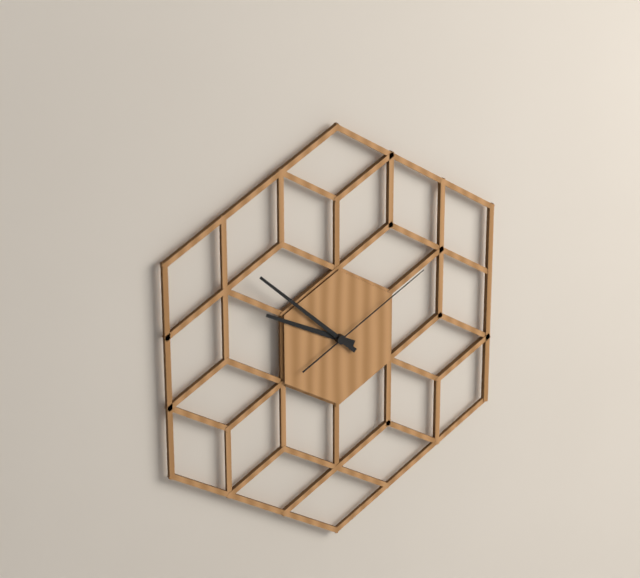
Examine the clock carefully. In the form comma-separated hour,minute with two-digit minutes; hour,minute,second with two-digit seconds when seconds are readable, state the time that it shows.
9,52,10
